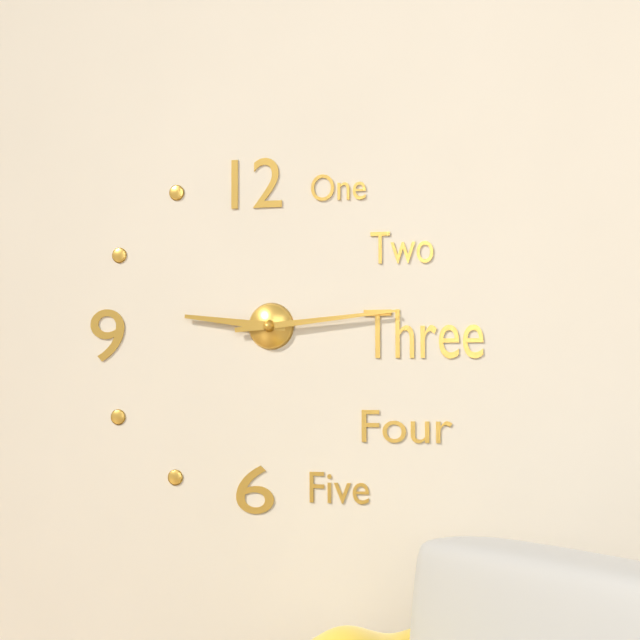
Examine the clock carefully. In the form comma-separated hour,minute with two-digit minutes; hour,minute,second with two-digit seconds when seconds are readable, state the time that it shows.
9,14
